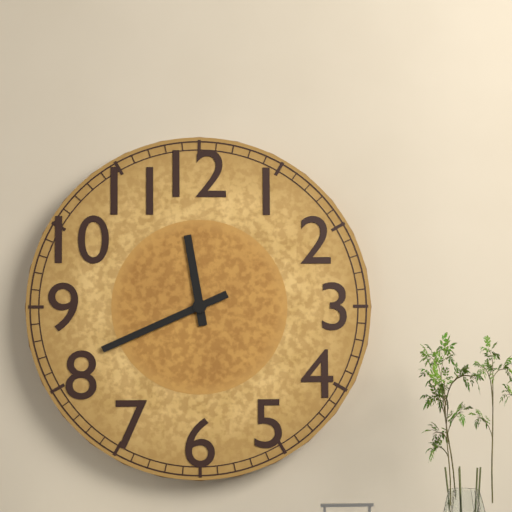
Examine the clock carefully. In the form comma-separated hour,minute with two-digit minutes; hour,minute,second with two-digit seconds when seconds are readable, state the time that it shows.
11,41
